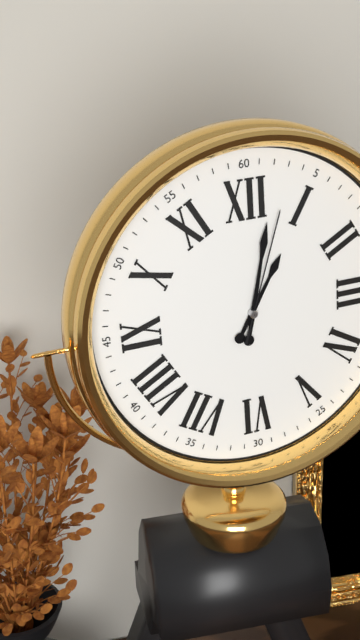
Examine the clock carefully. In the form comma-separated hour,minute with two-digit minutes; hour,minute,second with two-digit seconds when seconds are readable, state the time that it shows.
1,02,03
